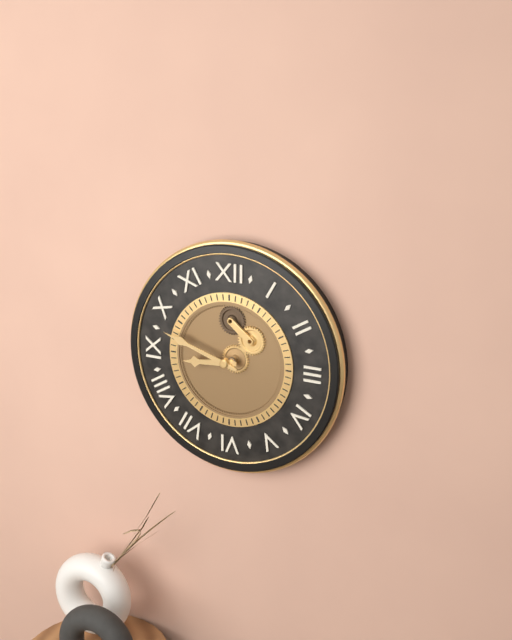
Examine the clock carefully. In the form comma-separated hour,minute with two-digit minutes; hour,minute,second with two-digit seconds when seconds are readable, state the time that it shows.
8,48
